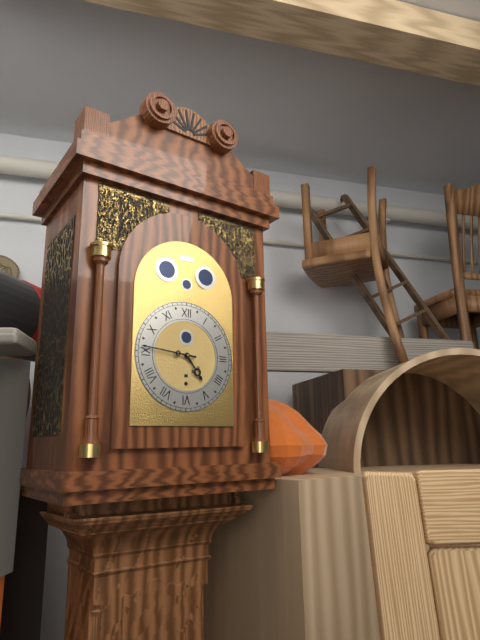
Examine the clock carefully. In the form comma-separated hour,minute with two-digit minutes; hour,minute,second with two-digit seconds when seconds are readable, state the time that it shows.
4,46
